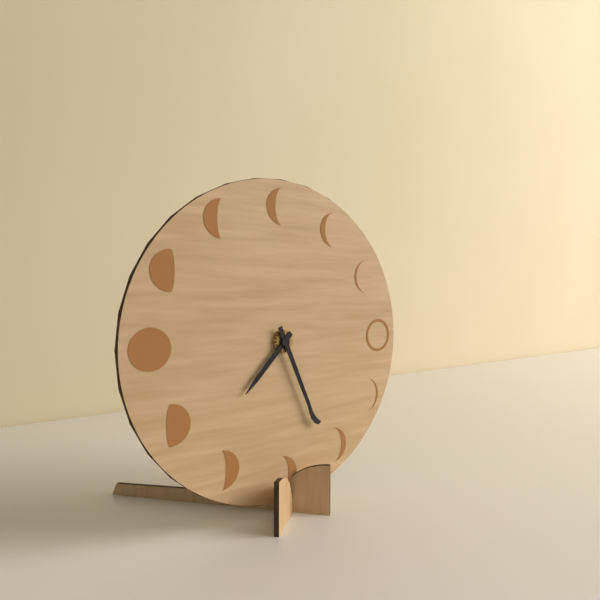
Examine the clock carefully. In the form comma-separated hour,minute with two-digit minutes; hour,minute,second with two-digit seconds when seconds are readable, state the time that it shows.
7,26
